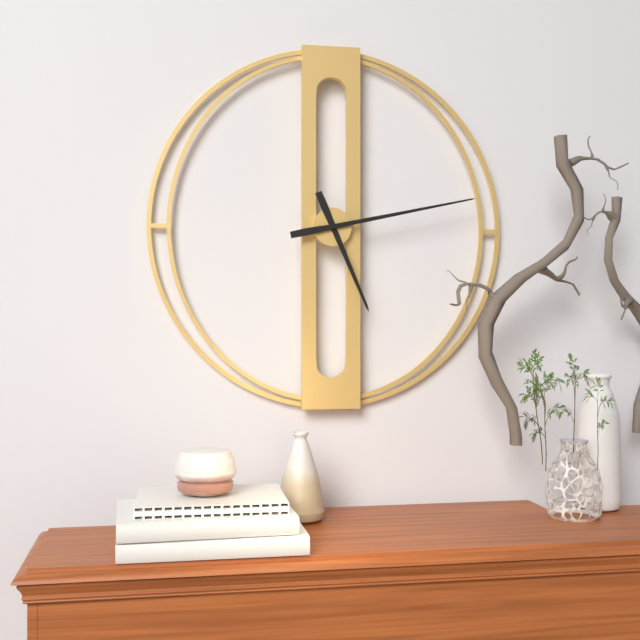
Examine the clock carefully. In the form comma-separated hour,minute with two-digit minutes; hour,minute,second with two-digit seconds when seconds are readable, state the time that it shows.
5,13
